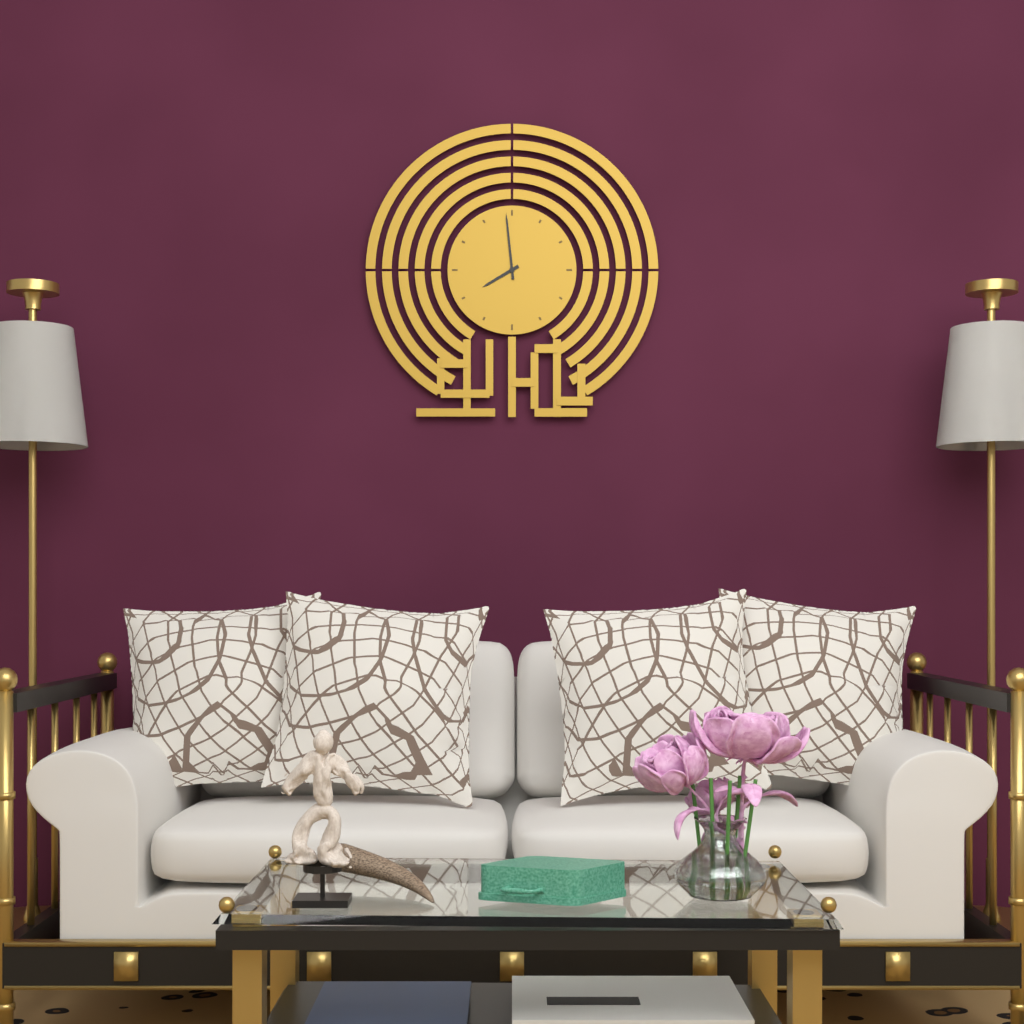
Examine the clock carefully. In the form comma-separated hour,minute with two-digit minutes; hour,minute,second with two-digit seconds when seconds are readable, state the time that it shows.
7,59
